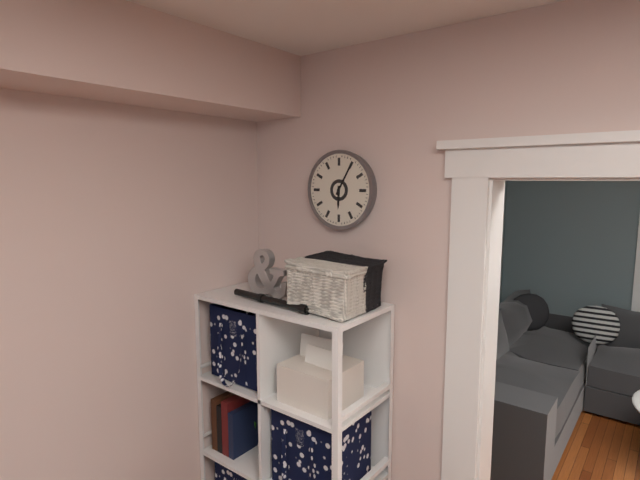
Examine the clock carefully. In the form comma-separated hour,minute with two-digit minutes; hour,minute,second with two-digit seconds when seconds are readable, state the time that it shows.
6,05
